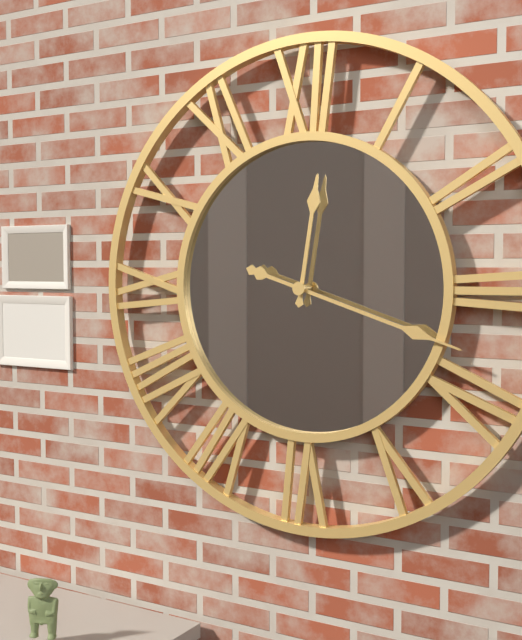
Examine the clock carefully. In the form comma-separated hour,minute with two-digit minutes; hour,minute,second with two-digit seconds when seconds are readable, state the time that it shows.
12,18
